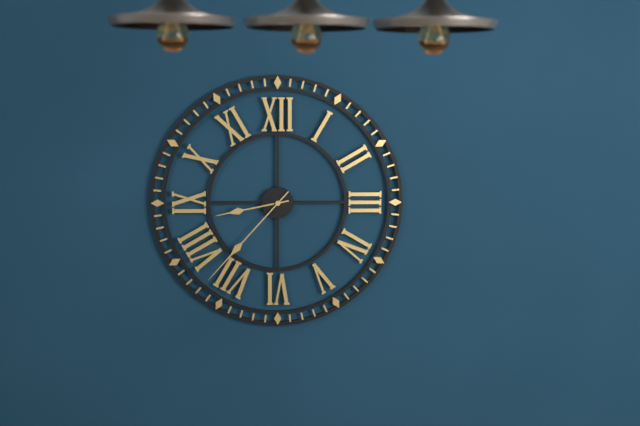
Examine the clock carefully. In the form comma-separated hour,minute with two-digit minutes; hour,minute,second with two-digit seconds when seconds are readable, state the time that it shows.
8,37
